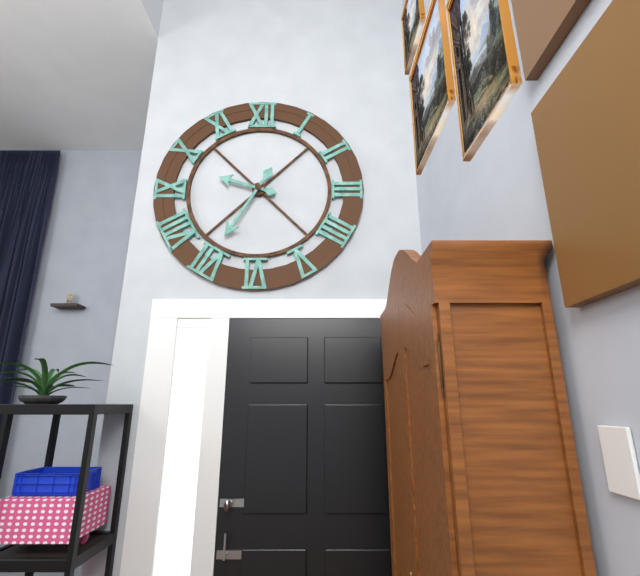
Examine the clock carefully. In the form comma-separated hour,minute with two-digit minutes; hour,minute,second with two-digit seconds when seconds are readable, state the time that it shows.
9,35
